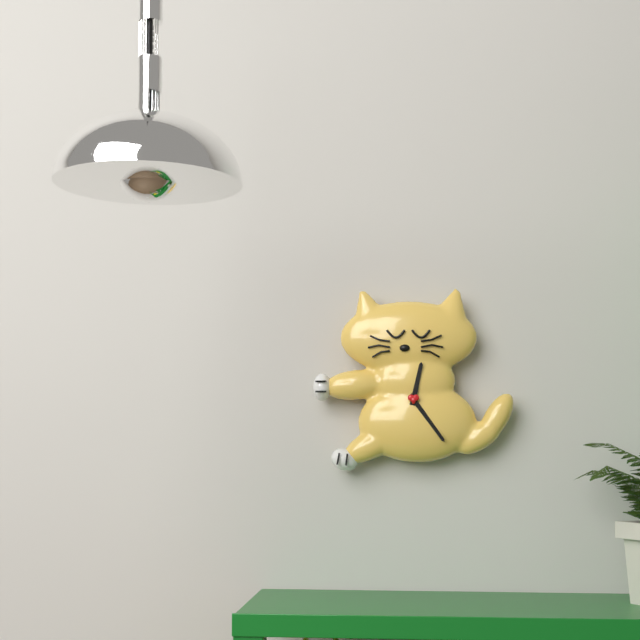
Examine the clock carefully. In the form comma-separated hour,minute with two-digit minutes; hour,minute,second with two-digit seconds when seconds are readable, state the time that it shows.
12,24
